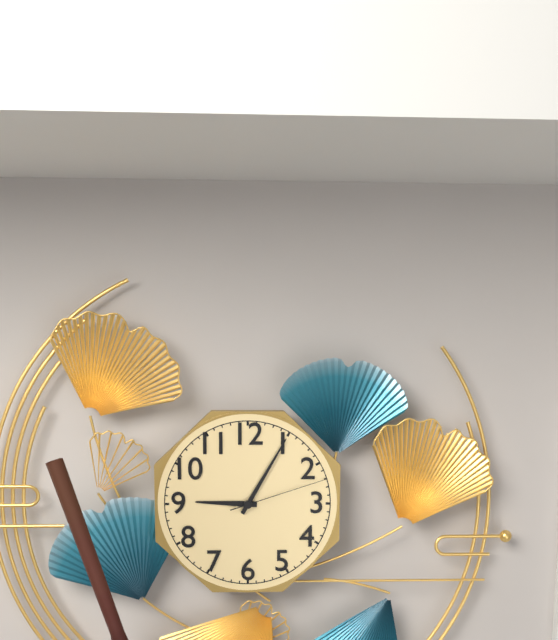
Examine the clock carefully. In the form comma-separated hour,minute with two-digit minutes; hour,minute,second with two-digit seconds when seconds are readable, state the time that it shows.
9,05,12
